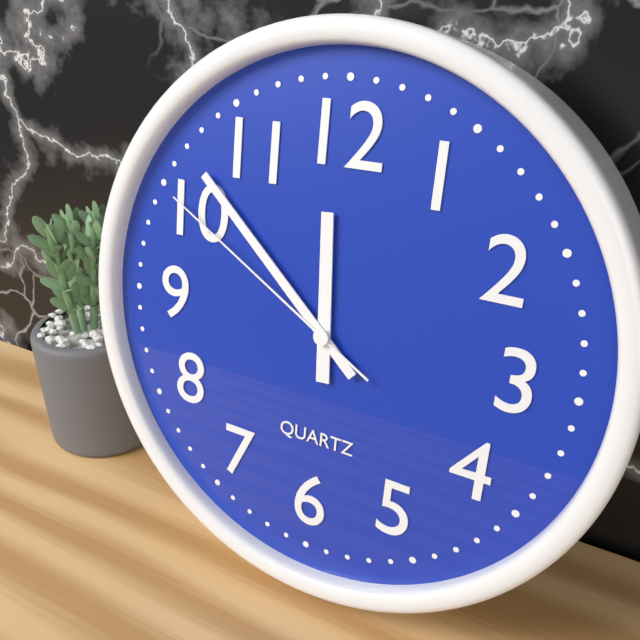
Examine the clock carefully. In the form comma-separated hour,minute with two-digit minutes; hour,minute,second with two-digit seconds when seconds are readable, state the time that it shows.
11,52,50
